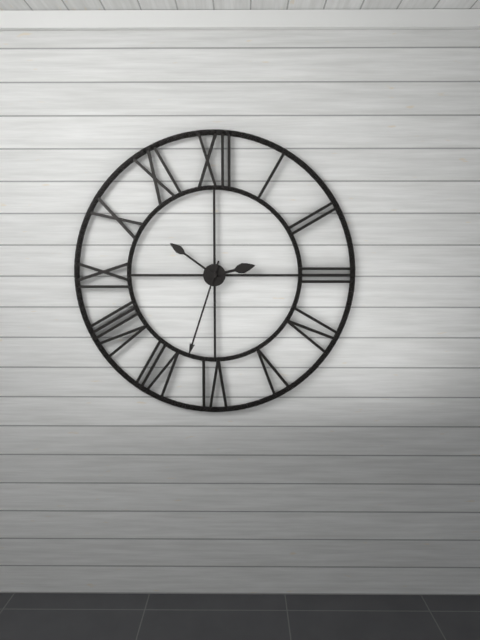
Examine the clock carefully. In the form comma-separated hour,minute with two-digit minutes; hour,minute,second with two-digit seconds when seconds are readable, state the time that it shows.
2,33,51
